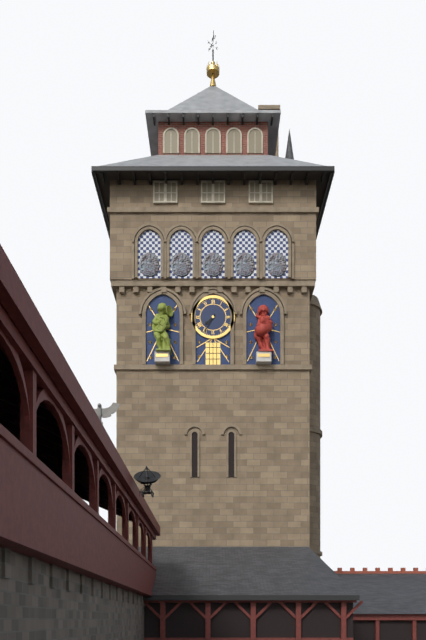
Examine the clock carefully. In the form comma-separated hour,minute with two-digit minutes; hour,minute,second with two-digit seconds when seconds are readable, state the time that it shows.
7,35
